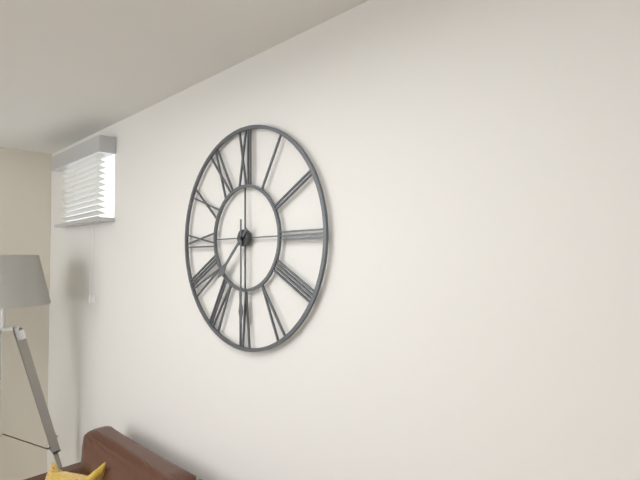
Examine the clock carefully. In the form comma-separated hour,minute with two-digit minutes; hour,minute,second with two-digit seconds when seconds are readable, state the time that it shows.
7,30
